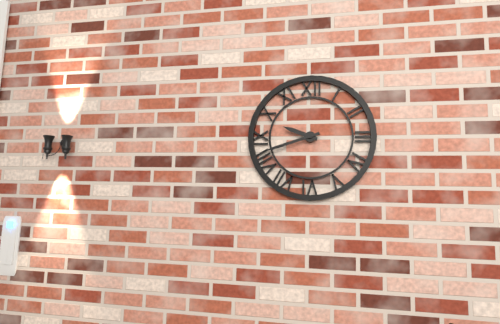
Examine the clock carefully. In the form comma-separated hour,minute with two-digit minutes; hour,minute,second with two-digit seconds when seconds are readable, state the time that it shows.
9,42
